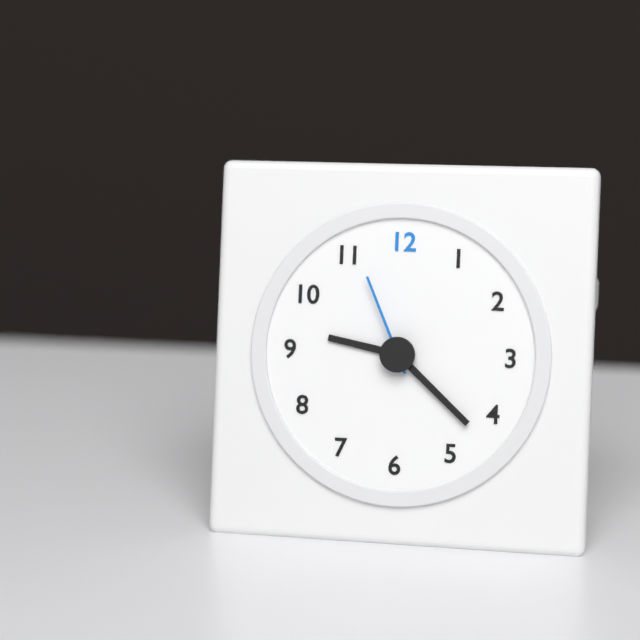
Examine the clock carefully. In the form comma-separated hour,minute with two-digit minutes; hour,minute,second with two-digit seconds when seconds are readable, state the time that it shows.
9,22,56
